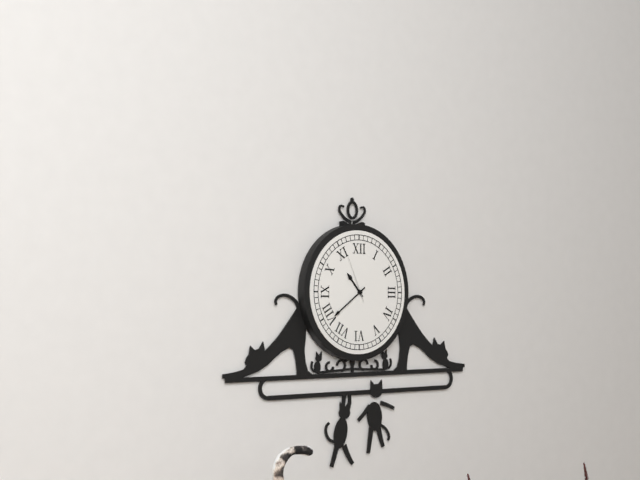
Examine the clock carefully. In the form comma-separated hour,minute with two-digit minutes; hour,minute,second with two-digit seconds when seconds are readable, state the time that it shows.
10,39
